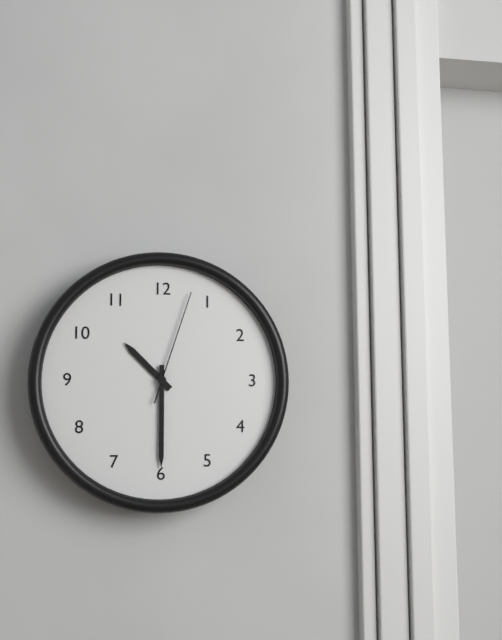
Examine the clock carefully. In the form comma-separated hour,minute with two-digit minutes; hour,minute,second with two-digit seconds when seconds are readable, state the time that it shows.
10,30,03
